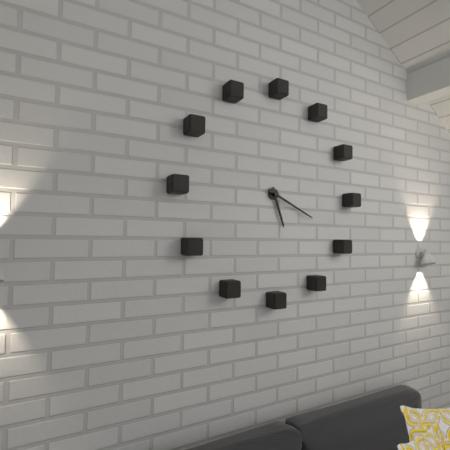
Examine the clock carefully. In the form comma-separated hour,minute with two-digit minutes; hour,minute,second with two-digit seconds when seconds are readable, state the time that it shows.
5,19
